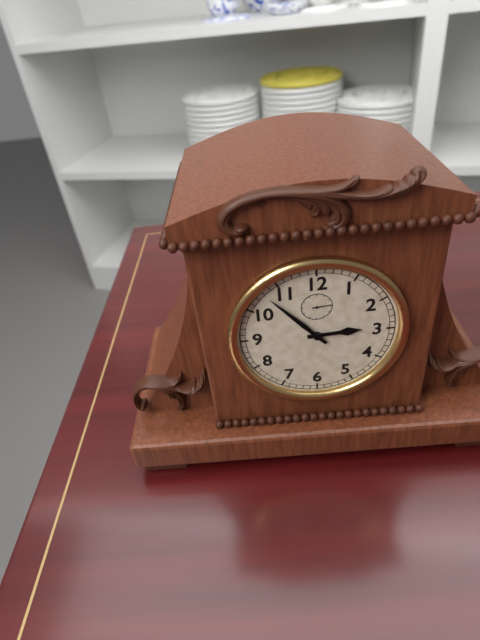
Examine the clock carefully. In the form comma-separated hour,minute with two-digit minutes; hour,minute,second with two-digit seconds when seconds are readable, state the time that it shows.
2,53
